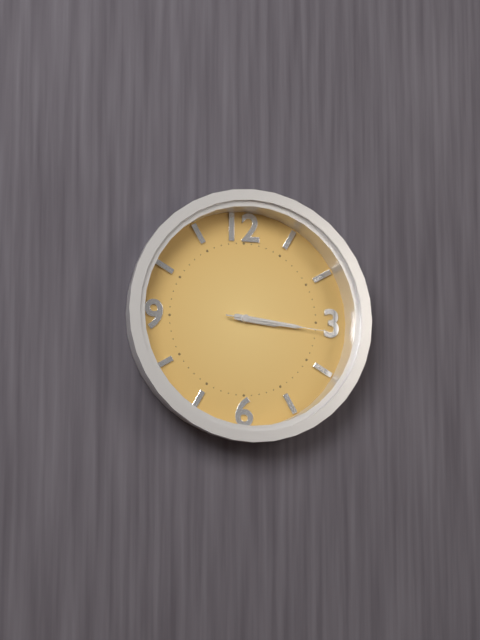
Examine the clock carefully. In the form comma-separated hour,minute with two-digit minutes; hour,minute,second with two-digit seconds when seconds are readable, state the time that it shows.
3,16,16
